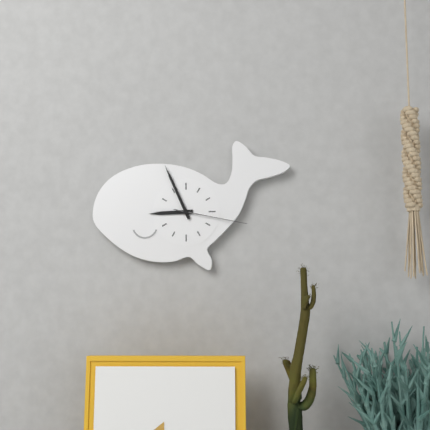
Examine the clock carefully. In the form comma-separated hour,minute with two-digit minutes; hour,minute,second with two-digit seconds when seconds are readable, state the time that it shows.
8,56,17
